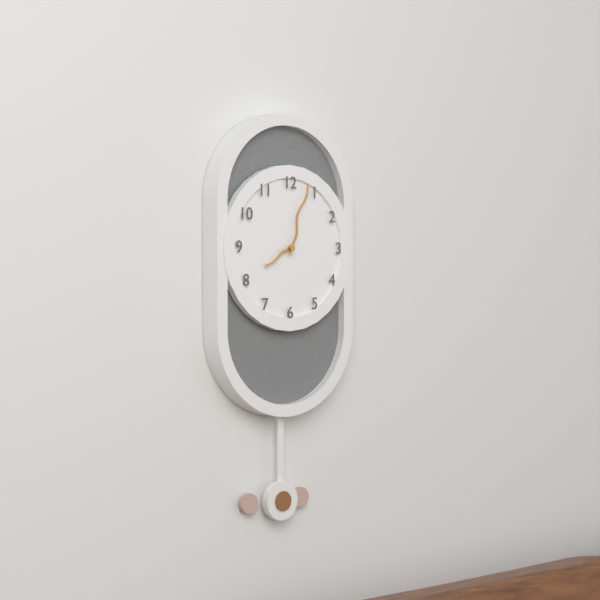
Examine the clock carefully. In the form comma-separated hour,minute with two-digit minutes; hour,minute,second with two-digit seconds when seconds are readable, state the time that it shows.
8,03
